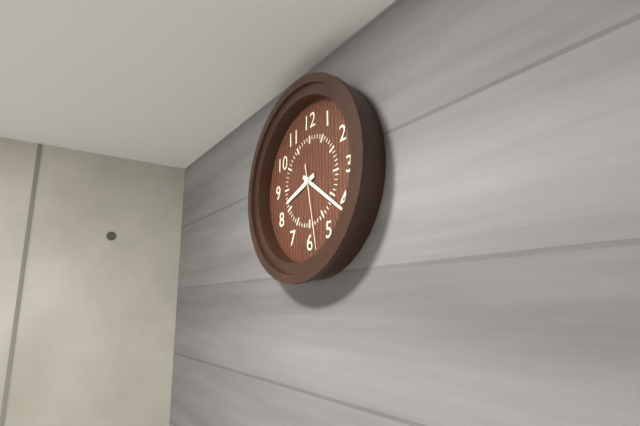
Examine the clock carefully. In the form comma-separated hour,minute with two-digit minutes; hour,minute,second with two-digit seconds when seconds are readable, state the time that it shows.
8,21,28
